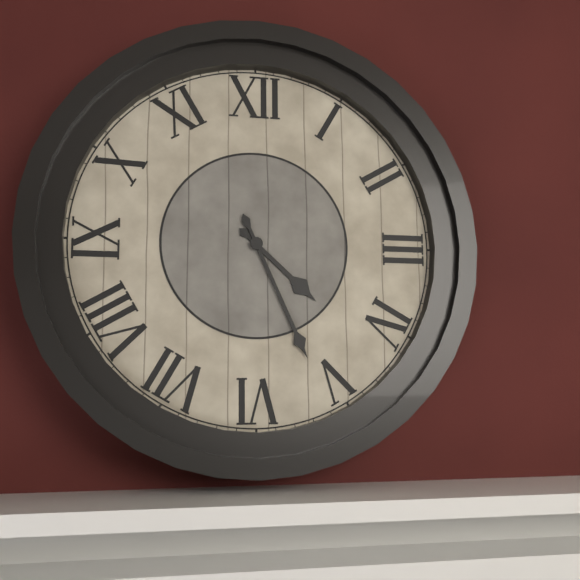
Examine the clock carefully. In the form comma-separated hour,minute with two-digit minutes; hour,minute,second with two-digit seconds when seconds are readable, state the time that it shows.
4,26
